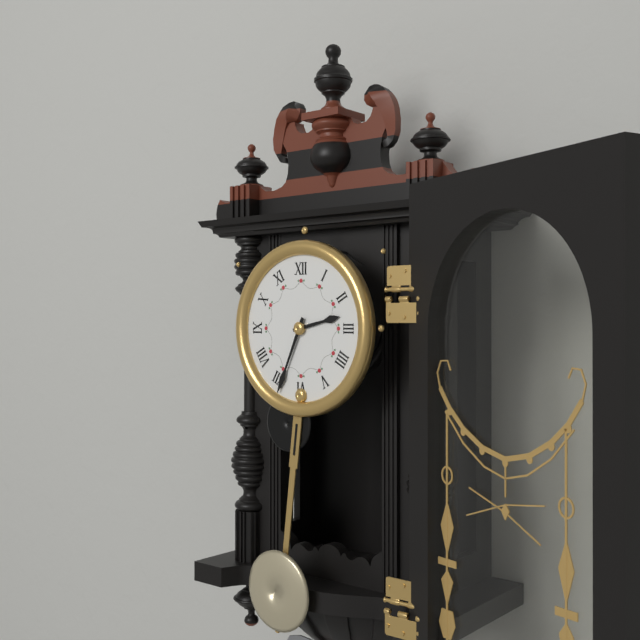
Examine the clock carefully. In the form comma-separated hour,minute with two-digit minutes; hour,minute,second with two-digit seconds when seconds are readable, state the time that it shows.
2,34
